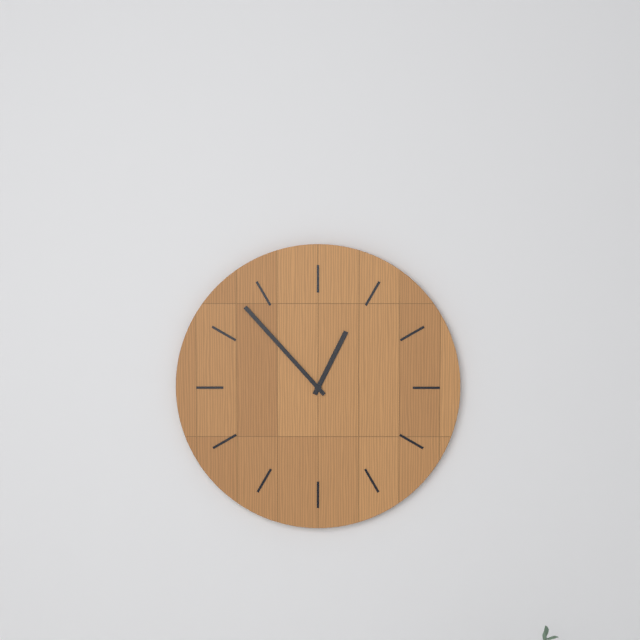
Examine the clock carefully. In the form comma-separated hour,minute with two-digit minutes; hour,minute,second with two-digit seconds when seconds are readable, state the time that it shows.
12,53
